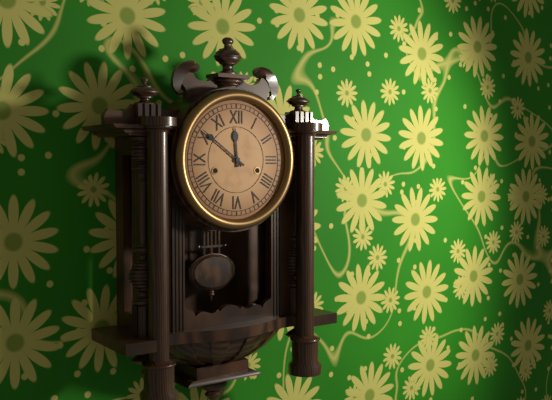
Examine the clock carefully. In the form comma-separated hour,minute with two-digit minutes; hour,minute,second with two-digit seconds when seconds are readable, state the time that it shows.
11,51
